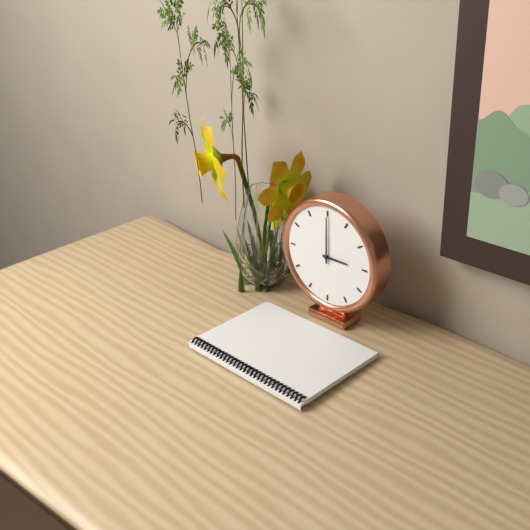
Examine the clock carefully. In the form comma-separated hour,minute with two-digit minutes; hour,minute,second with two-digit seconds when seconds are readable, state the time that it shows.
3,00
